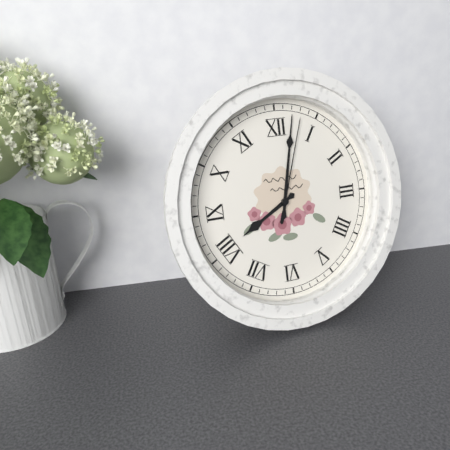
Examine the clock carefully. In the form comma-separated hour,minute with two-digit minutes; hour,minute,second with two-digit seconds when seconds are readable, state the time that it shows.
8,02,03
